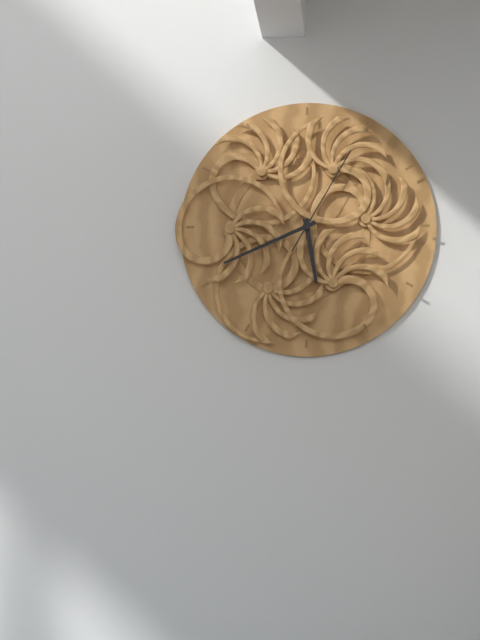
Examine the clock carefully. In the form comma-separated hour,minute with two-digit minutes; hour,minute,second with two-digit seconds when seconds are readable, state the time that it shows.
5,41,05
